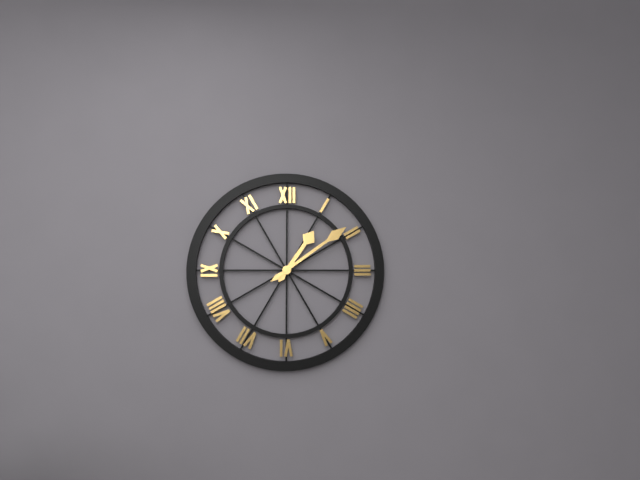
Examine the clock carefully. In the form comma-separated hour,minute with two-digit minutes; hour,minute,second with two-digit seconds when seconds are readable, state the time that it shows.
1,09
